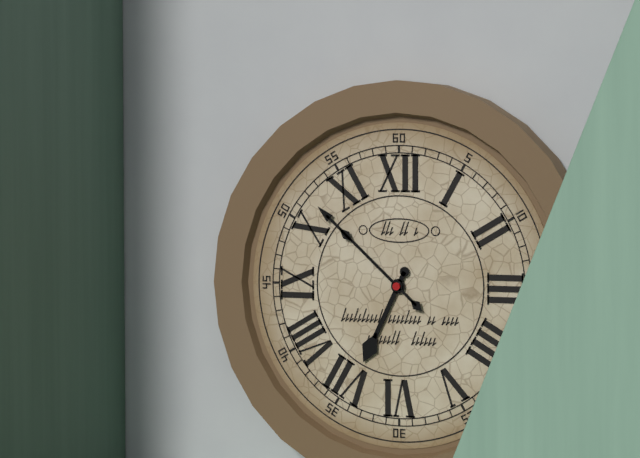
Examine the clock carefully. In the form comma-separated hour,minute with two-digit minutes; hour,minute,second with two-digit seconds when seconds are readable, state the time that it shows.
6,52
